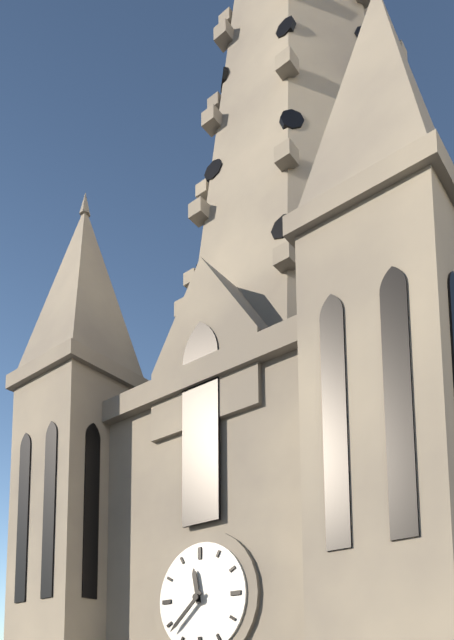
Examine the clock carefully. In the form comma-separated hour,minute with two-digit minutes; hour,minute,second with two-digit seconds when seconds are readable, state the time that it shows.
11,38
